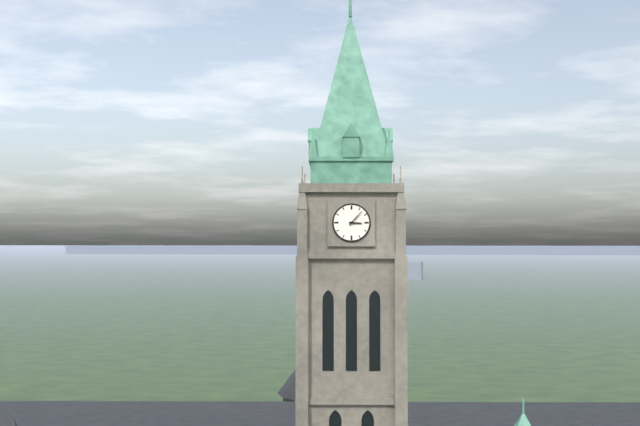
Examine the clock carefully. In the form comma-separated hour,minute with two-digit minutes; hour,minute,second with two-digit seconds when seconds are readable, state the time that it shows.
3,07
